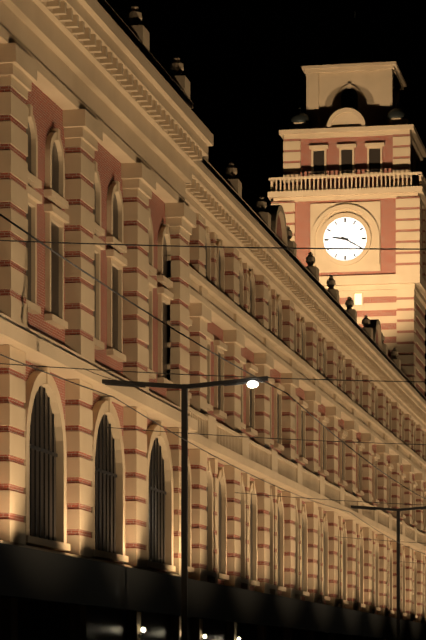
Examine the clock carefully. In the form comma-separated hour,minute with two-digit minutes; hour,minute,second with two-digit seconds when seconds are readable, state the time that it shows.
9,20
